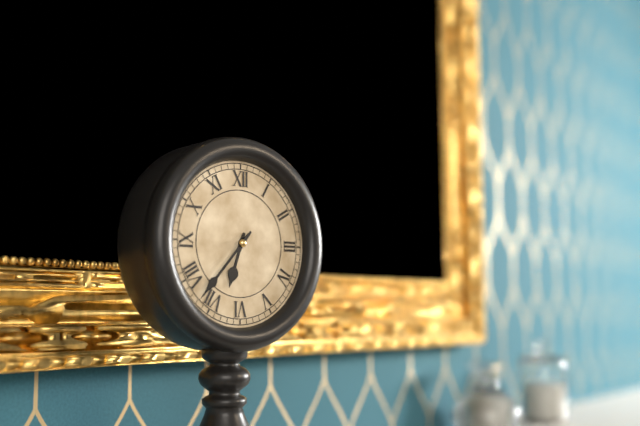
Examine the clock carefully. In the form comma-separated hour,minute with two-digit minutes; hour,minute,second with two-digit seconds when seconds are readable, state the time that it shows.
6,37
